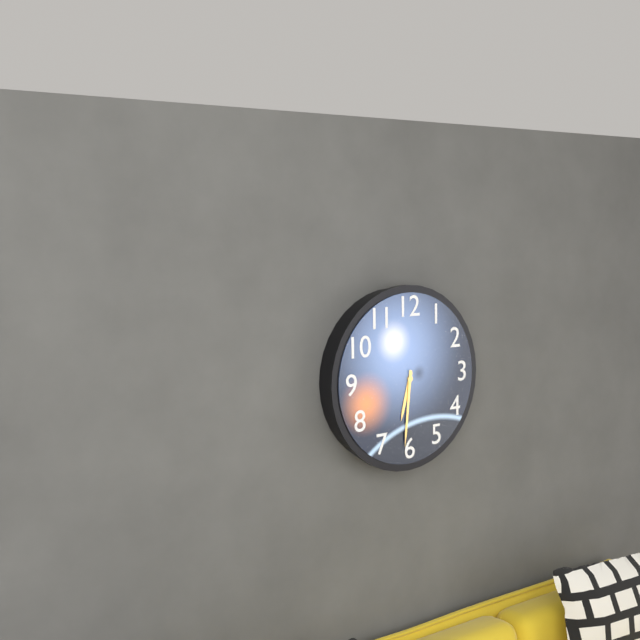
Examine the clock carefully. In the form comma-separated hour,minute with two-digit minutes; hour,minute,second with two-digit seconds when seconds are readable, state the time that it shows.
6,31
